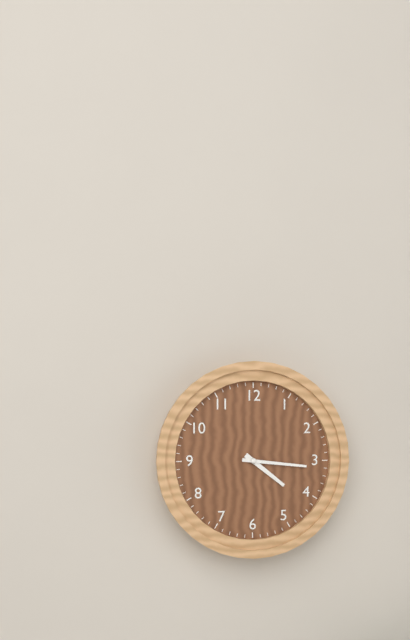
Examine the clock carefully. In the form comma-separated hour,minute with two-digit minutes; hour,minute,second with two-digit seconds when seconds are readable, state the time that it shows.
4,16
